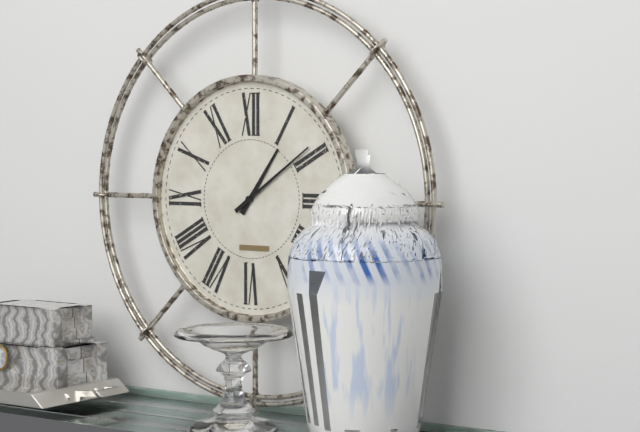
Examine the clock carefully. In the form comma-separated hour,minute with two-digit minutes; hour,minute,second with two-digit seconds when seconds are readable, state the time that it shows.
1,09
